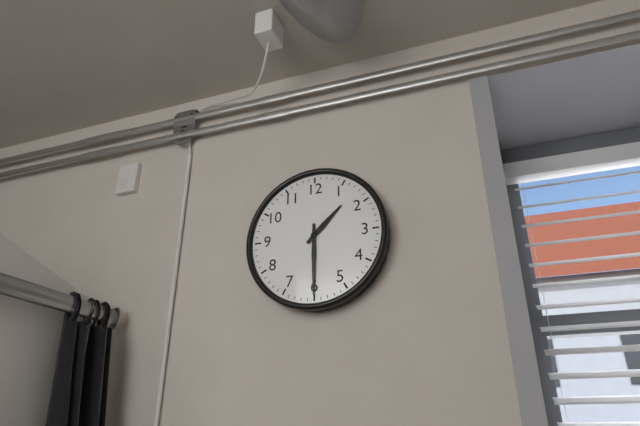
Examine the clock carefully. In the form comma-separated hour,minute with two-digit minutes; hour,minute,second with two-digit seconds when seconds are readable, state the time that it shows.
1,30
